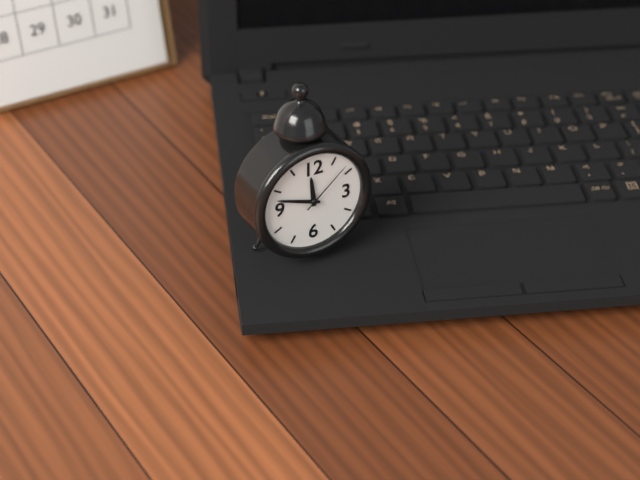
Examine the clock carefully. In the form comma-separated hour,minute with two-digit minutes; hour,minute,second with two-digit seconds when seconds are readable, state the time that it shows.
11,48,08
